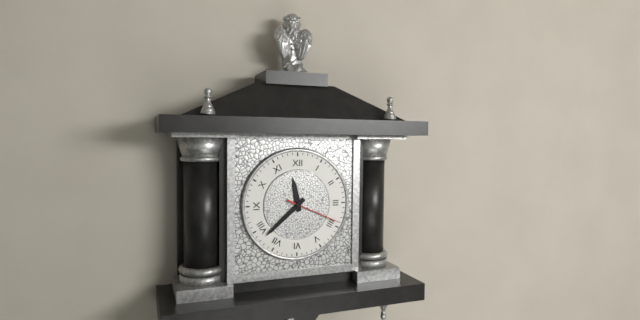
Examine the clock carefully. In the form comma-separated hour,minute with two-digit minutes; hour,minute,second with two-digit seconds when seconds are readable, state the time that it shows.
11,38,19
